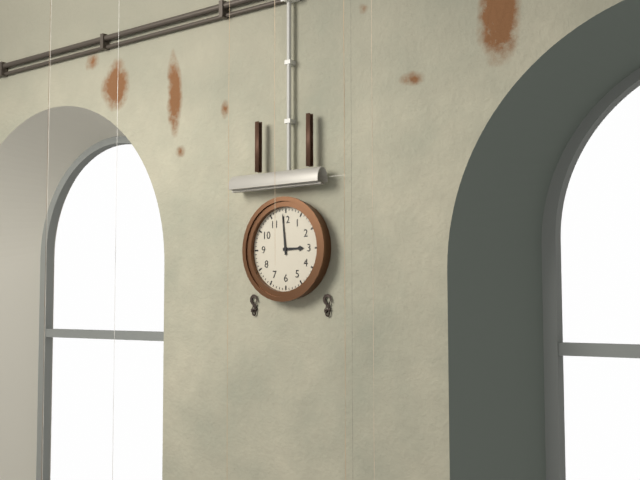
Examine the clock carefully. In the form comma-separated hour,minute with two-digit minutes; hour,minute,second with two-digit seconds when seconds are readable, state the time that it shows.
2,59
